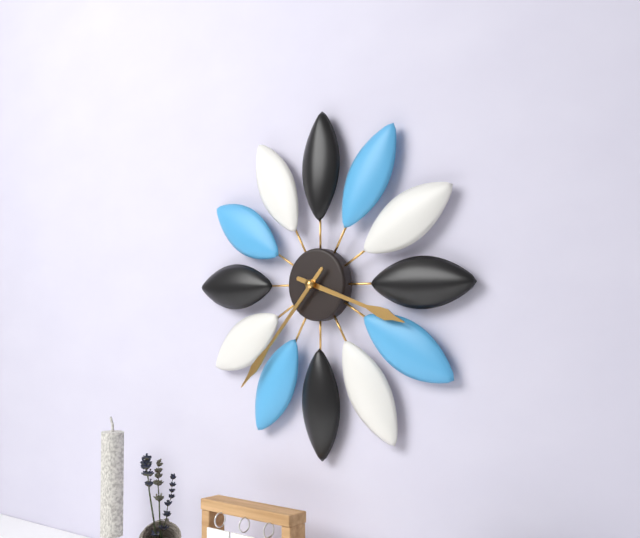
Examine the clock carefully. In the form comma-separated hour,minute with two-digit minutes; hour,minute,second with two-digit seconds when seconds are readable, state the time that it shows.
3,37
